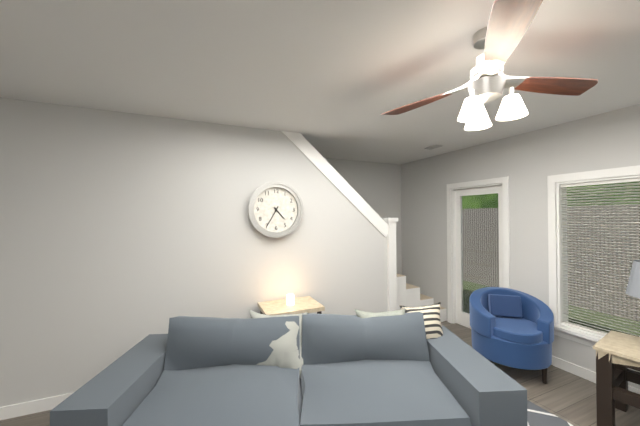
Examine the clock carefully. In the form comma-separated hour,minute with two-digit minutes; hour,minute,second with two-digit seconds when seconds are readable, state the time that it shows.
4,35
